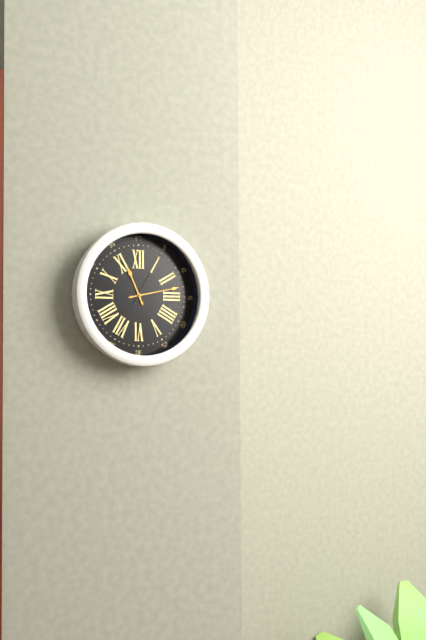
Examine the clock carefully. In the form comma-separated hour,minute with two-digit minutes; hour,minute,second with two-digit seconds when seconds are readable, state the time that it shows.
11,13,05
